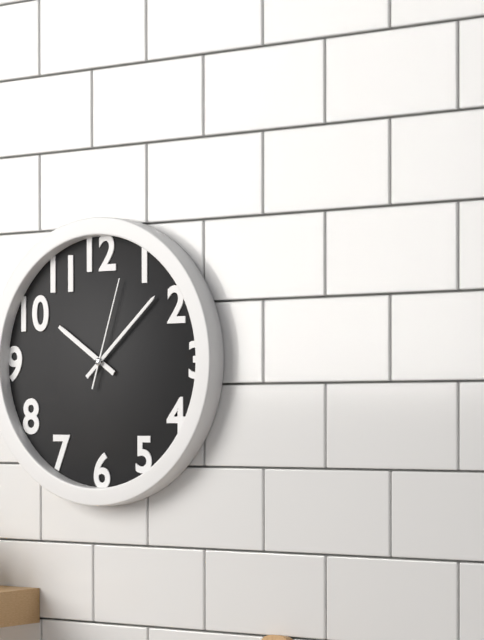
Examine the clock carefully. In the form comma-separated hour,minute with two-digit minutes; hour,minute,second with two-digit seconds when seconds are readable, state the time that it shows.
10,08,03
